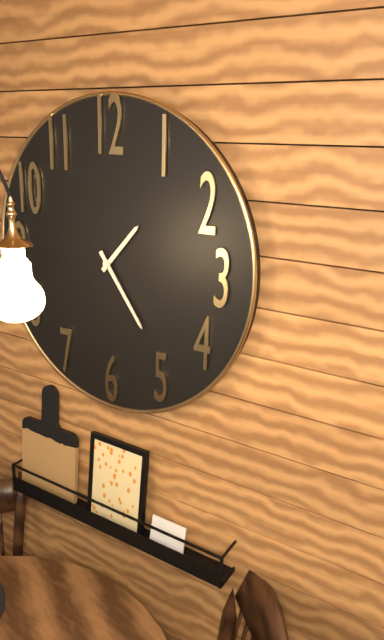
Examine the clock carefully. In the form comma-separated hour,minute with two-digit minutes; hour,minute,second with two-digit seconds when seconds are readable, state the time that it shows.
1,24
